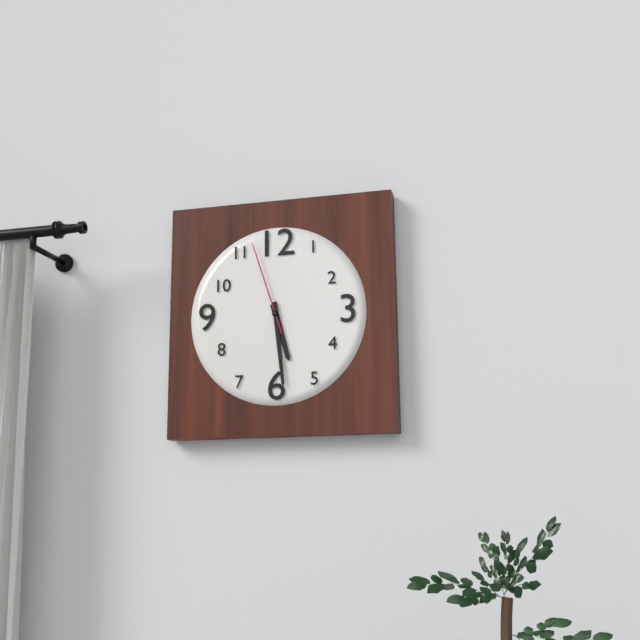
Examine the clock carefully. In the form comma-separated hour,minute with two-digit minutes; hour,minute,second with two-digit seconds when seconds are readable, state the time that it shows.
5,29,57
